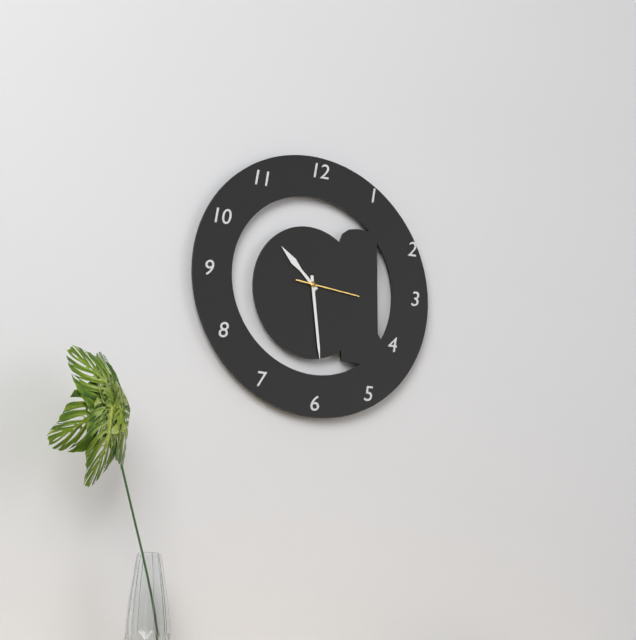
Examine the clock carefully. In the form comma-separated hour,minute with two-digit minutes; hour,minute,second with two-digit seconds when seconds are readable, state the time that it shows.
10,29,16
